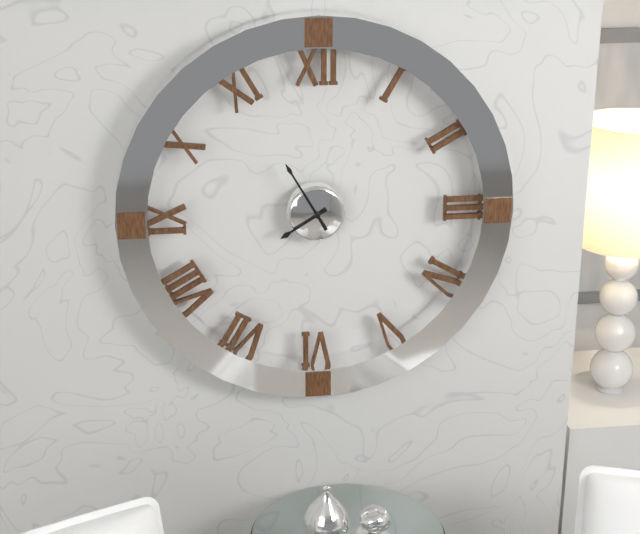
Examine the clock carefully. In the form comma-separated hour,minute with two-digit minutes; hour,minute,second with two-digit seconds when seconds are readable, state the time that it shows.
7,55
